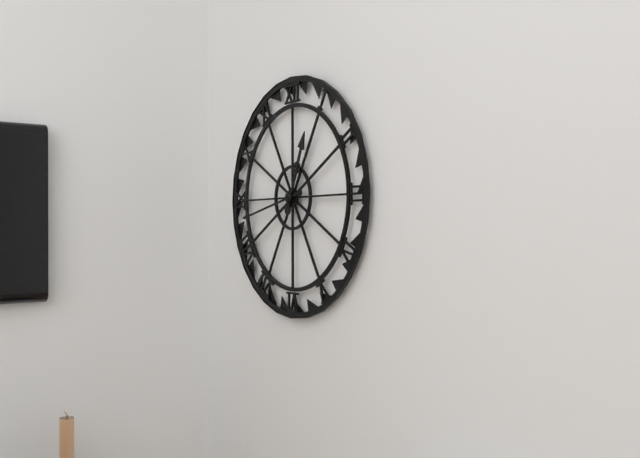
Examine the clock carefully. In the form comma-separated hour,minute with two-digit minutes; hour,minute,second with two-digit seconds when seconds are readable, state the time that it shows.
12,43
